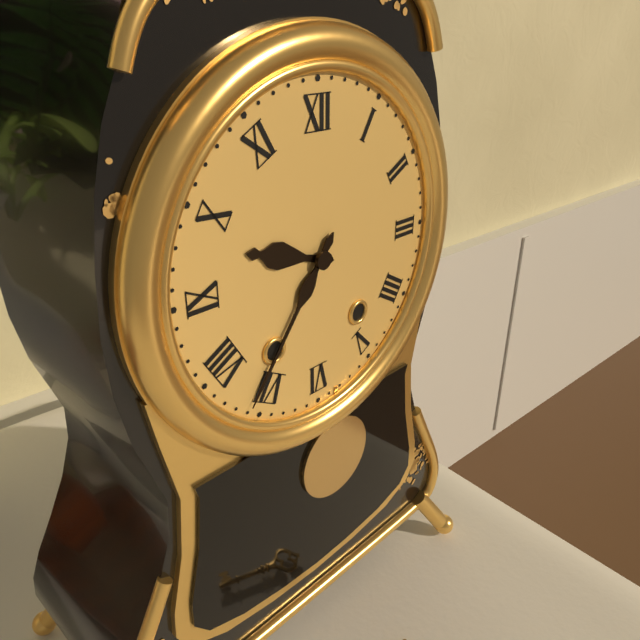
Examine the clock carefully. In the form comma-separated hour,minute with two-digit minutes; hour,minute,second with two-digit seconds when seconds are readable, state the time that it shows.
9,36
